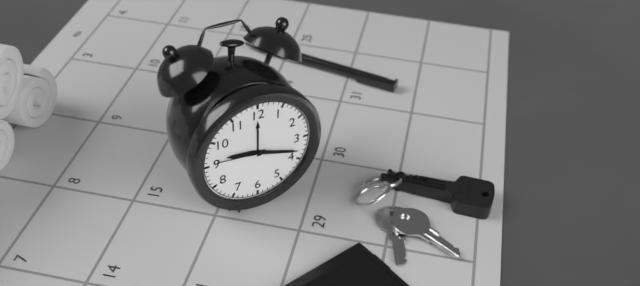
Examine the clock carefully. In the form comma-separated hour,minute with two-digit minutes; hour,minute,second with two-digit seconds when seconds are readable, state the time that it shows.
9,18,46
